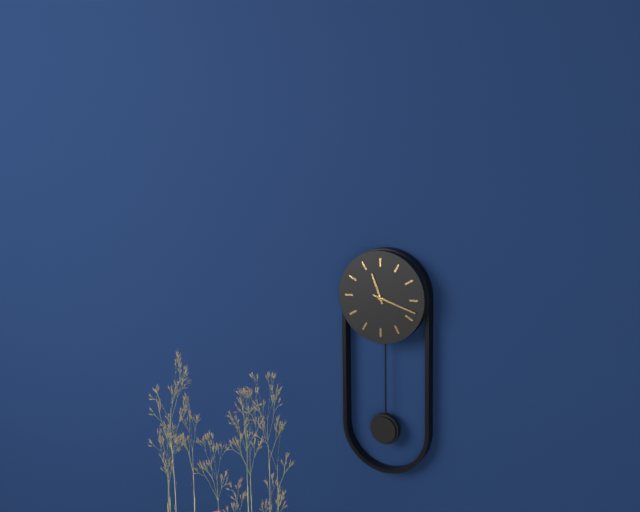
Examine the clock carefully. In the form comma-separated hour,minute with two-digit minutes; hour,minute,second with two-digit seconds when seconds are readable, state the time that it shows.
11,18
